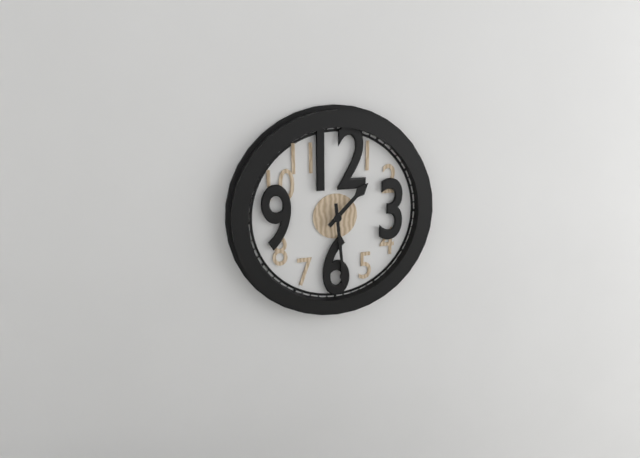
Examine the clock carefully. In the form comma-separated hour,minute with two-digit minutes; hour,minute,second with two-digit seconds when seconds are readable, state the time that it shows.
1,29
